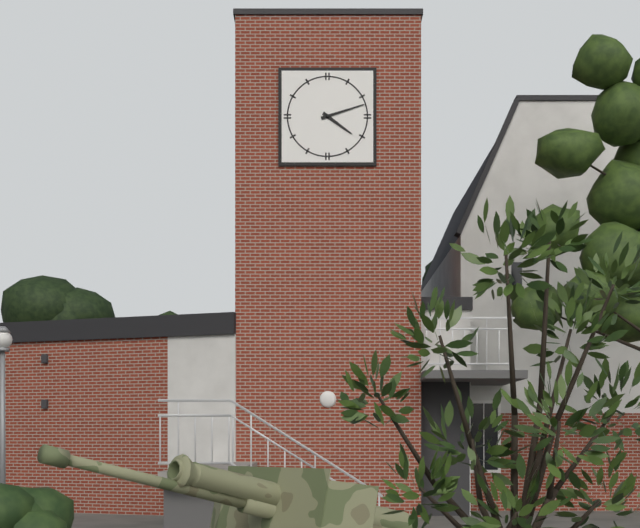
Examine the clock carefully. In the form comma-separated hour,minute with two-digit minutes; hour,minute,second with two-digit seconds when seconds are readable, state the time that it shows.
4,12
